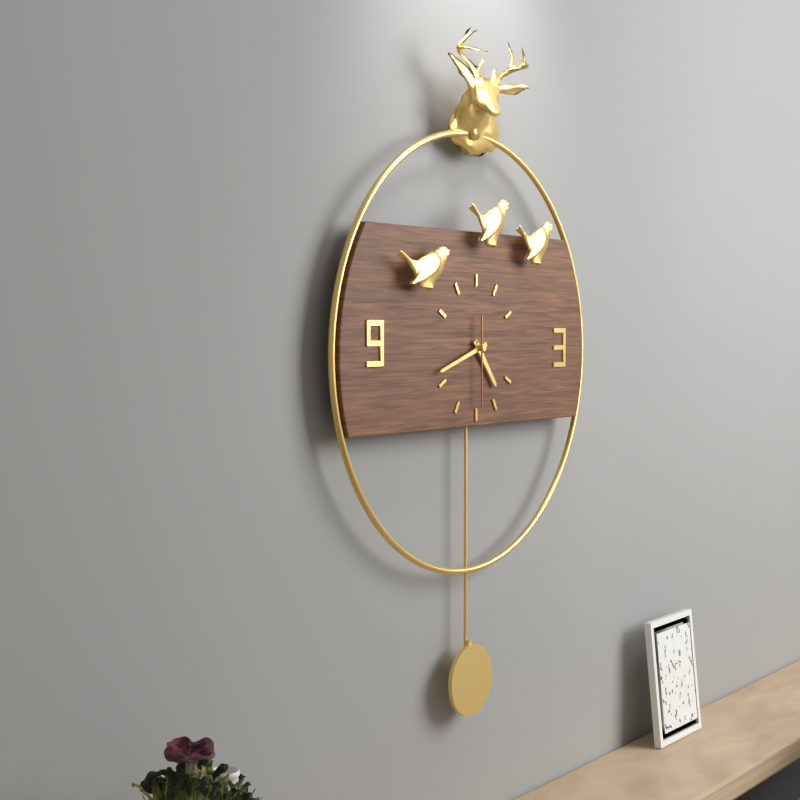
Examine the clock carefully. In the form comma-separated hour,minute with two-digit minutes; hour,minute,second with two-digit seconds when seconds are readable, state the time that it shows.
4,42,30
